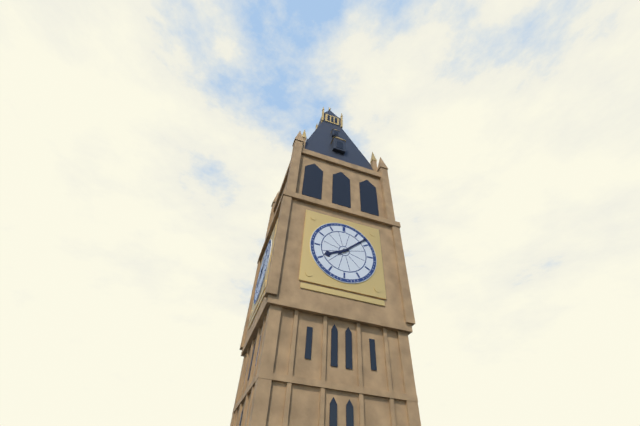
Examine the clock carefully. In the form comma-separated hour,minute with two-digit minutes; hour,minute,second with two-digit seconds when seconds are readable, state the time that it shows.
8,08
